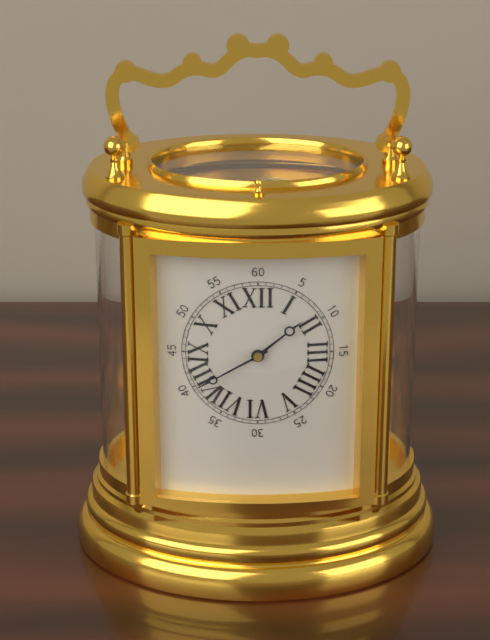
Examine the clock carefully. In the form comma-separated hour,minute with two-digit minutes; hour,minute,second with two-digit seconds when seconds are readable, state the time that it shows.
1,40
